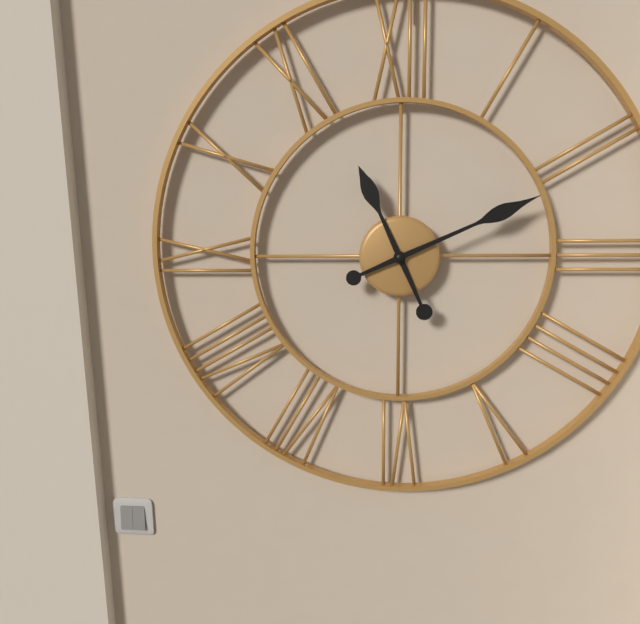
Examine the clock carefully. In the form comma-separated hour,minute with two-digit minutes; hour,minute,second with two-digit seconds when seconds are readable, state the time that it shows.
11,11
